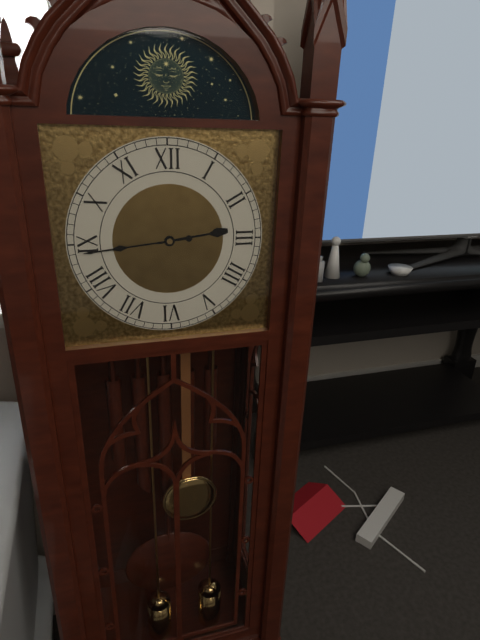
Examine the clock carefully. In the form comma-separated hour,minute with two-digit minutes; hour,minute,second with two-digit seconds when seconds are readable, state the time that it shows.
2,44
